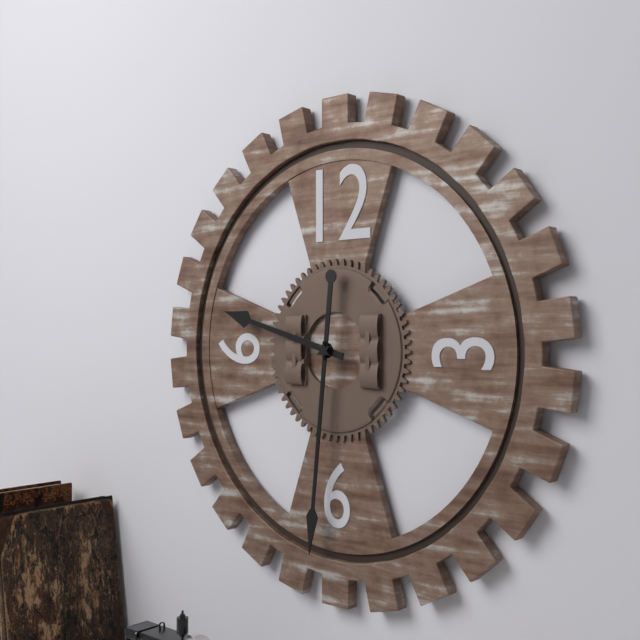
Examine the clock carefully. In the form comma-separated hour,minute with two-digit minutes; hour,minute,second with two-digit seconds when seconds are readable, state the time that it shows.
9,31
